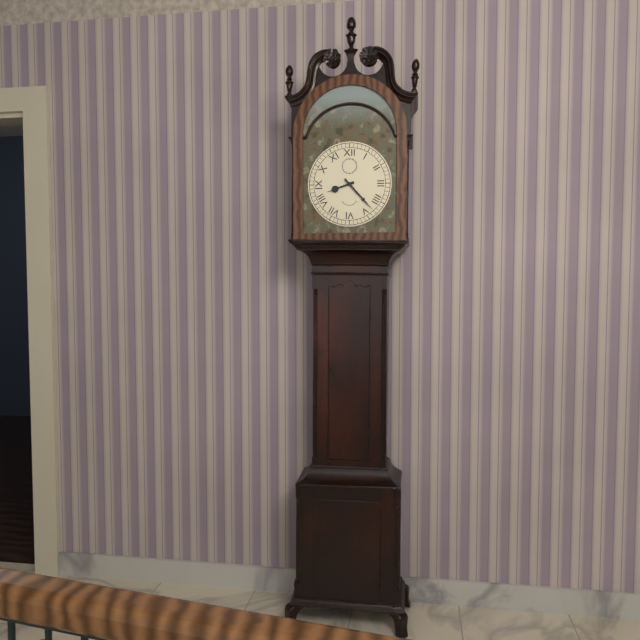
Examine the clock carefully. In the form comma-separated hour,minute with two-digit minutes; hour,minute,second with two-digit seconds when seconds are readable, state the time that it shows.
8,23
